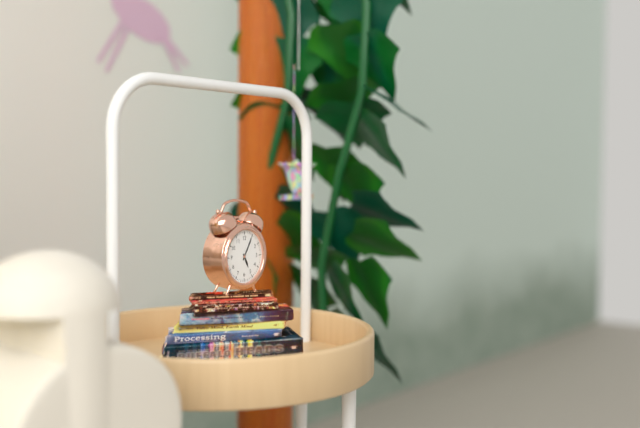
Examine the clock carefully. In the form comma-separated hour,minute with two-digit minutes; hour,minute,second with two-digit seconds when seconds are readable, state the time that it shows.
5,05
